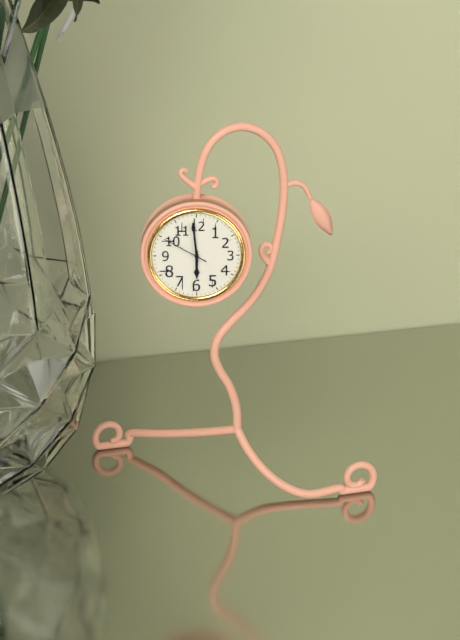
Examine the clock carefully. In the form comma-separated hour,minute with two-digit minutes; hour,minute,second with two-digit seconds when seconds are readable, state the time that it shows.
5,59
